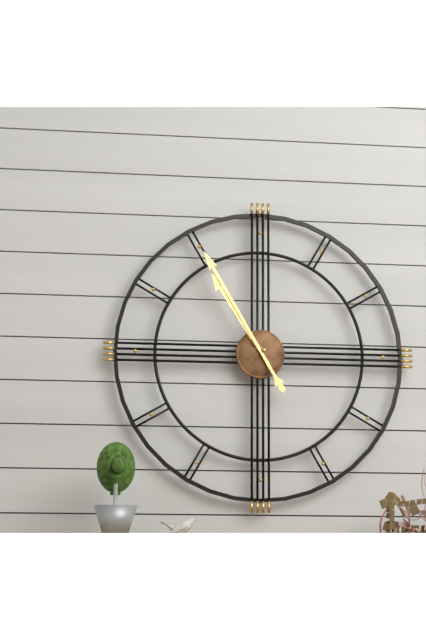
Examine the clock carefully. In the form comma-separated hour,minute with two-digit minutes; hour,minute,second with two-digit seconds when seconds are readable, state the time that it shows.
10,55
